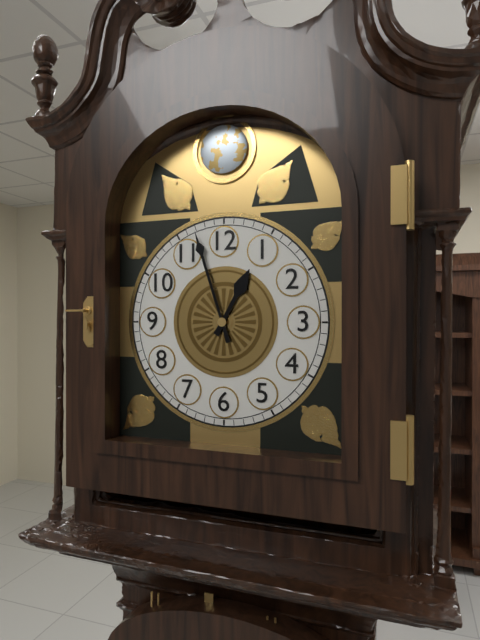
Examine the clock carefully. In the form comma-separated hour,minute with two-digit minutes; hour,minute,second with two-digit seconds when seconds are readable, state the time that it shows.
12,57
